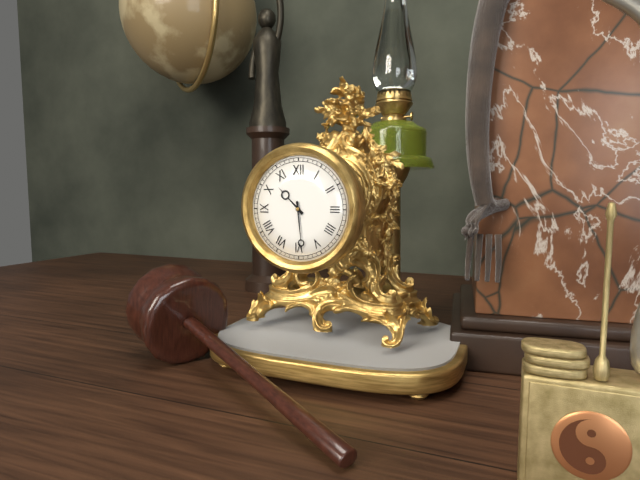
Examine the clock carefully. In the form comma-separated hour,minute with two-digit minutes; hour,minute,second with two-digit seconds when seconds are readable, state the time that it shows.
10,29
